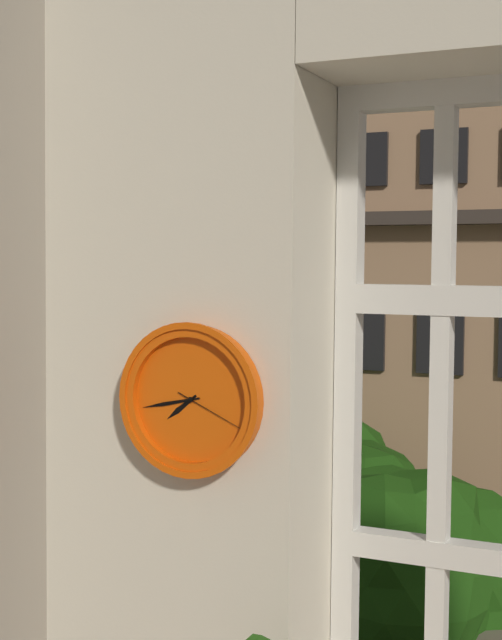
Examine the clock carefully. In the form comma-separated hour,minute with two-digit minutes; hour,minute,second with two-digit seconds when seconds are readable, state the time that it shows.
7,43,19
